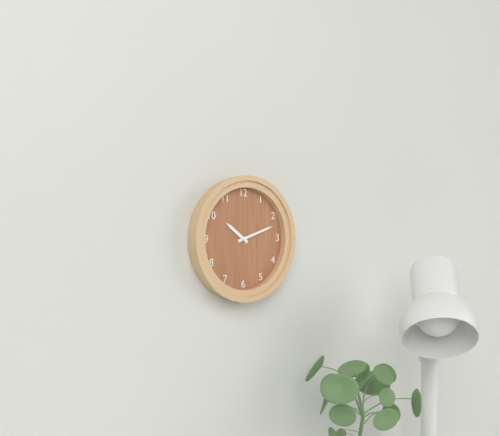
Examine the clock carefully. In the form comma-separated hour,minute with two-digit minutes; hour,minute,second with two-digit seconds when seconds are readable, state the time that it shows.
10,12
